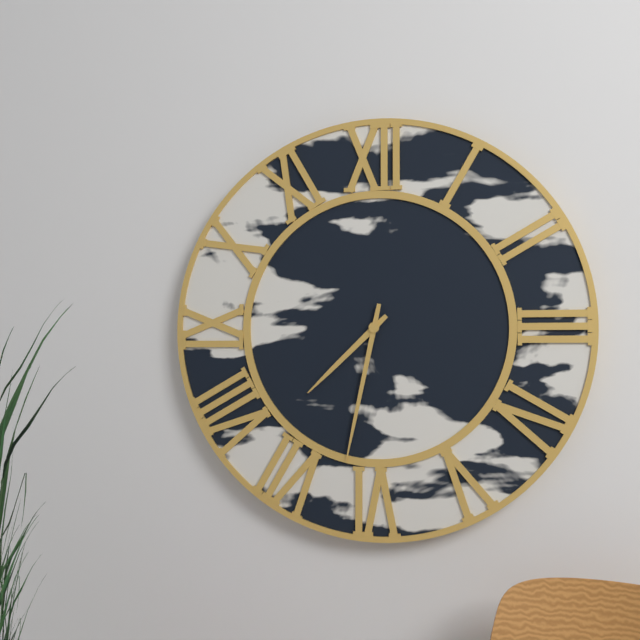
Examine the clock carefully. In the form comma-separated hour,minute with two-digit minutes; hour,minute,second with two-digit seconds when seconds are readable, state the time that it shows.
7,32
